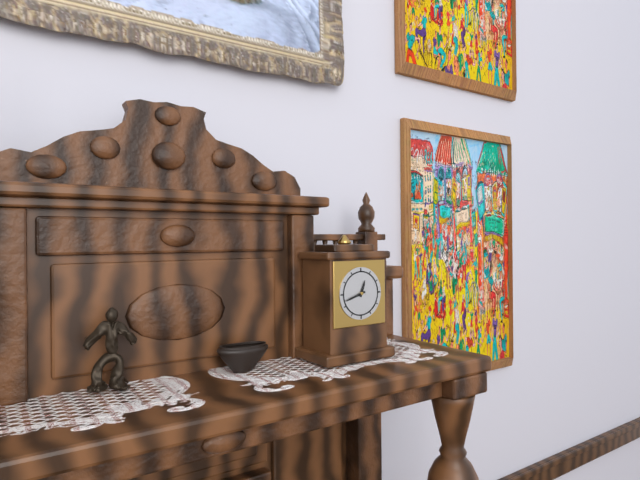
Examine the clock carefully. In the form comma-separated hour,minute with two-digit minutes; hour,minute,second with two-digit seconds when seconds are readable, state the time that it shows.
12,42
